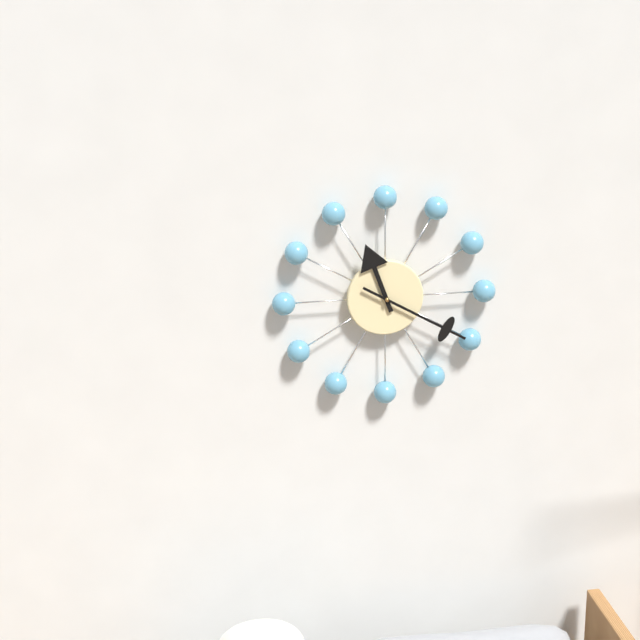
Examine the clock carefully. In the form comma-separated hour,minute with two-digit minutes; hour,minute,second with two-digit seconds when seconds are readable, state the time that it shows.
11,20
